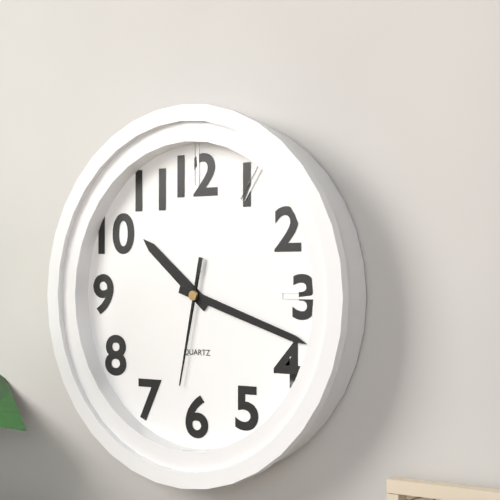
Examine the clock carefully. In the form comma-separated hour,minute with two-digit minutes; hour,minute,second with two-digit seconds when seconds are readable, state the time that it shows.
10,18,32
